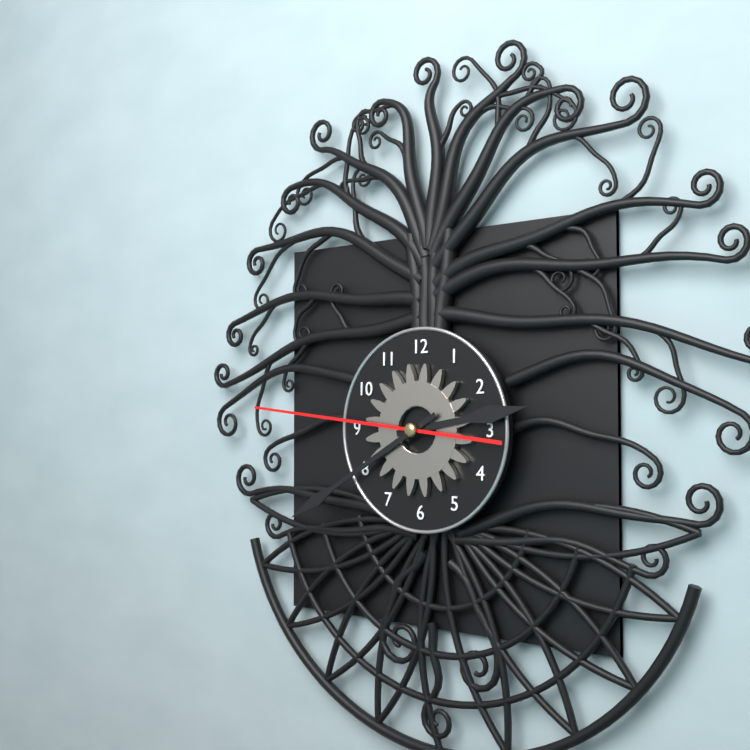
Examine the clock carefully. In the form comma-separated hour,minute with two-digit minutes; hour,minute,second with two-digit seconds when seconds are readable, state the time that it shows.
2,40,46
